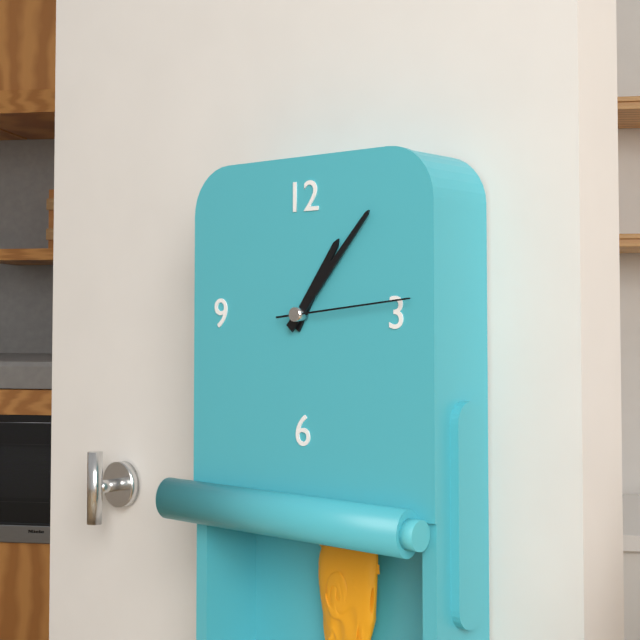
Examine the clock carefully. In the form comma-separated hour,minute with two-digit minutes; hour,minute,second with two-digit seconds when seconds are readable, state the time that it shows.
1,07,14
